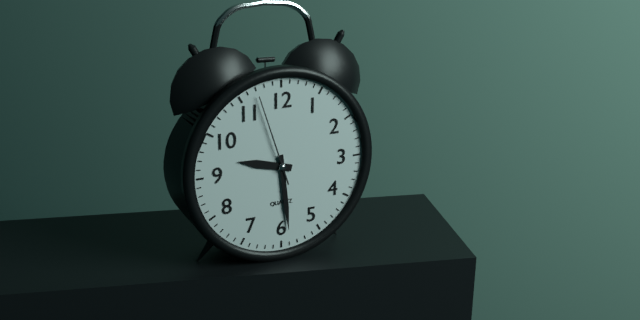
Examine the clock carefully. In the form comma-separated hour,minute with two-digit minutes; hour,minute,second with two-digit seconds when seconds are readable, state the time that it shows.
9,29,57
